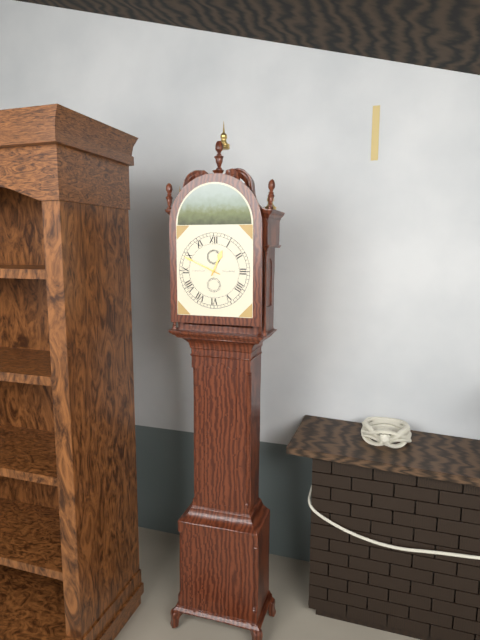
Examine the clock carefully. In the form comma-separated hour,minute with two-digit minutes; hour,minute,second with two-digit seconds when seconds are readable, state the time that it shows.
12,49
